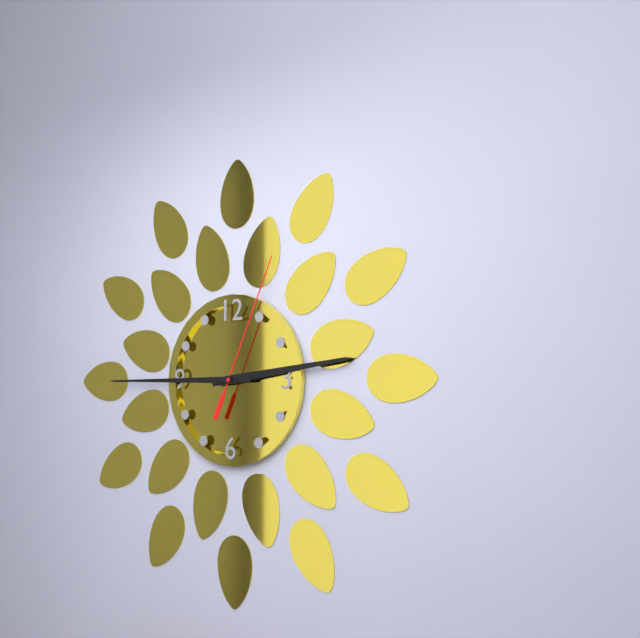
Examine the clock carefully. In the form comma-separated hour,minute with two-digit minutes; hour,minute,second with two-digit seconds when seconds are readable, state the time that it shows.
2,45,04
